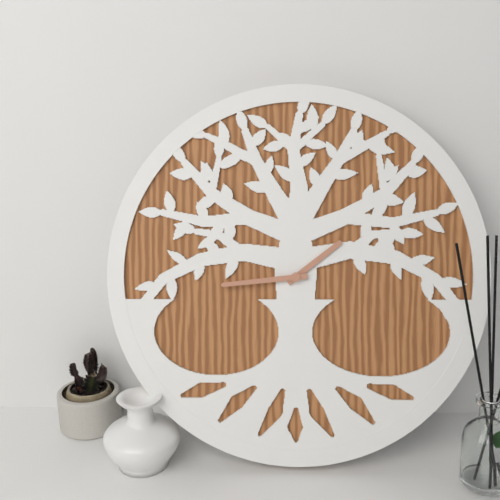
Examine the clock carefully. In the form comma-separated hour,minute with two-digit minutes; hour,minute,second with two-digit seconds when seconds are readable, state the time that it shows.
1,44
